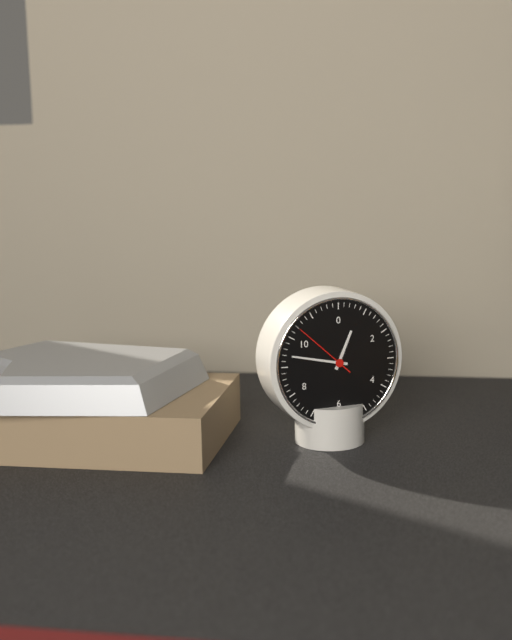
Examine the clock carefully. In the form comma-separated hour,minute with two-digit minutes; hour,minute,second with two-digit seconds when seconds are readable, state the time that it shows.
12,47,52
